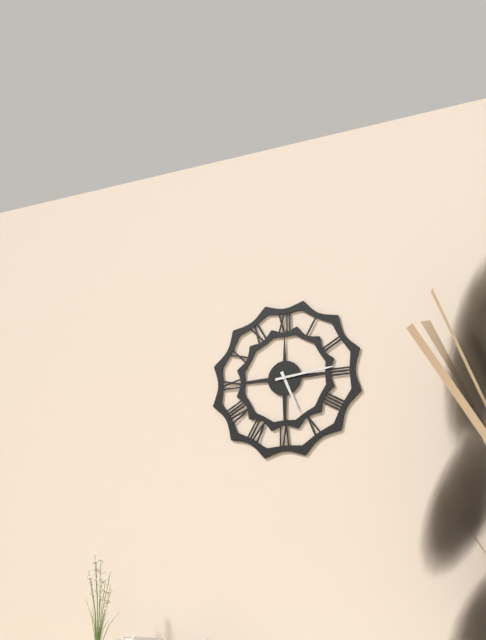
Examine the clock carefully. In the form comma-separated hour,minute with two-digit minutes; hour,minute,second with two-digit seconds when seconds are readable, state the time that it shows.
5,14
